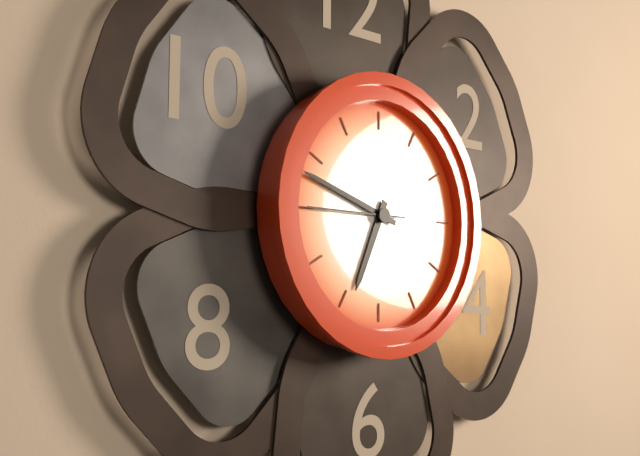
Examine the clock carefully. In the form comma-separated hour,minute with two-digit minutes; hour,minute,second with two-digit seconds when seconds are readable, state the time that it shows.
6,48,45
